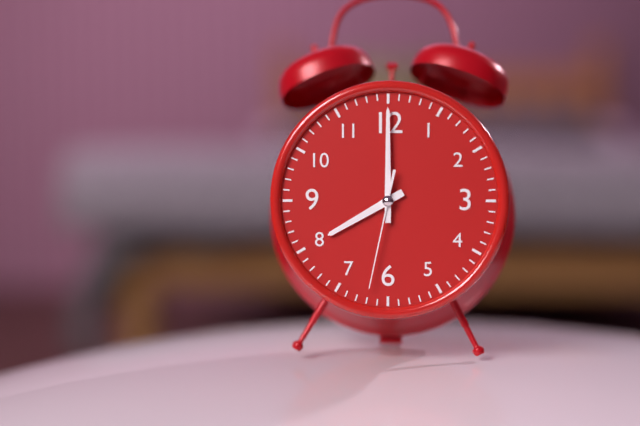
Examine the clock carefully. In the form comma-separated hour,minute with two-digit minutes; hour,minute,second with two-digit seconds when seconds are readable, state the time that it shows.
8,00,32
